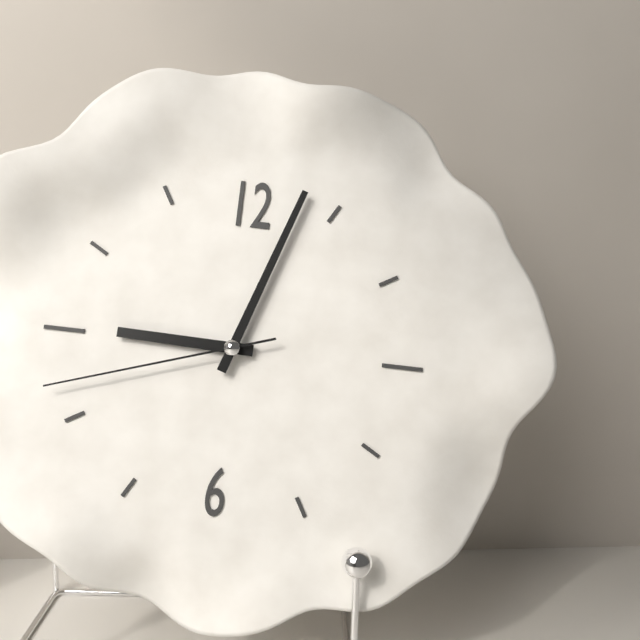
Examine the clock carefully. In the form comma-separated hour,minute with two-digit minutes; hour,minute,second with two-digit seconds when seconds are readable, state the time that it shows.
9,03,42
